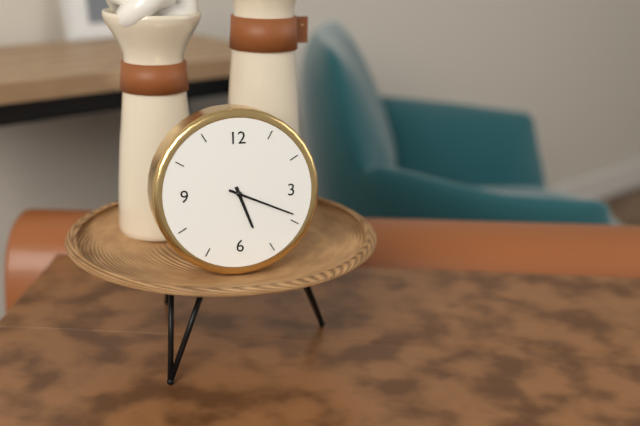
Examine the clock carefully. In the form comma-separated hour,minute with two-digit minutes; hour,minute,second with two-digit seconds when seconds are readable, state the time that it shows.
5,19
